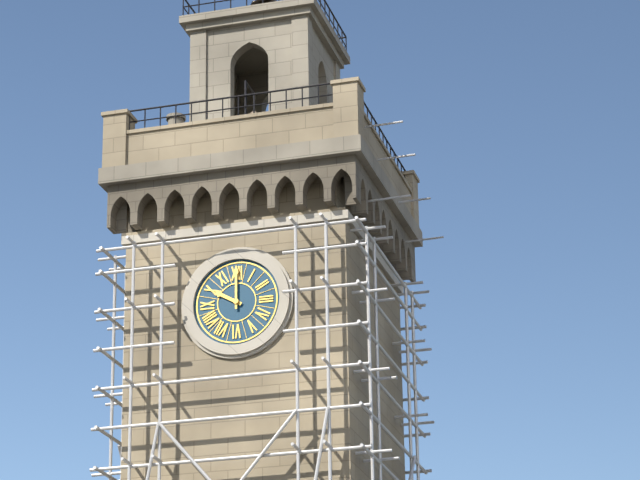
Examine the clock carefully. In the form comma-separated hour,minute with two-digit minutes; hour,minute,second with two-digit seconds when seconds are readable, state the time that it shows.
10,00
